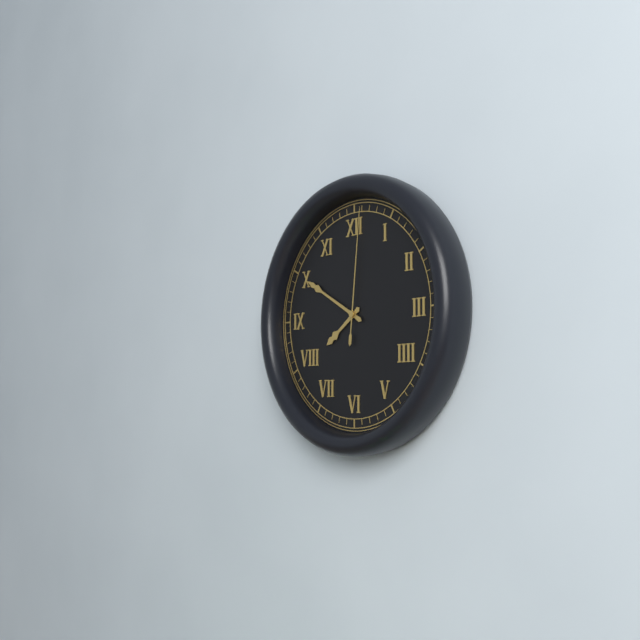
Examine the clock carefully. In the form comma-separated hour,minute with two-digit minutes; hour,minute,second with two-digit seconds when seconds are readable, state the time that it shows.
7,50,01
